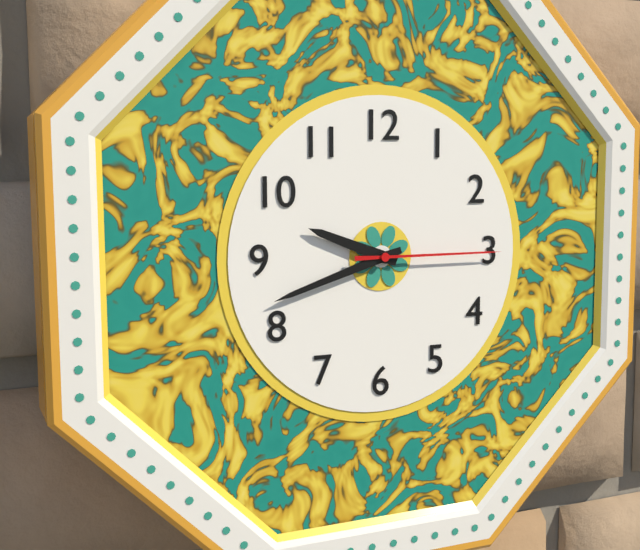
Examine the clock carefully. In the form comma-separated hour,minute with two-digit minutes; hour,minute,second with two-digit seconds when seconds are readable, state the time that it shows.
9,42,15
